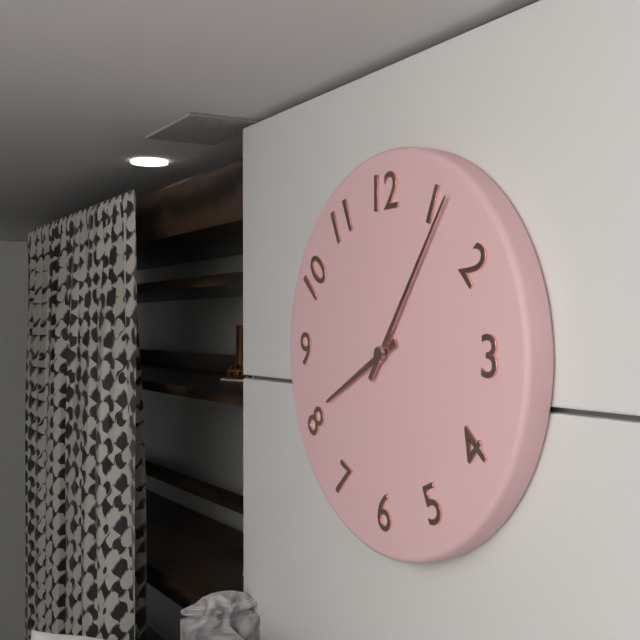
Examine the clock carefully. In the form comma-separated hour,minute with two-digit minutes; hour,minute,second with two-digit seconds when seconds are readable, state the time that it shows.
8,06
